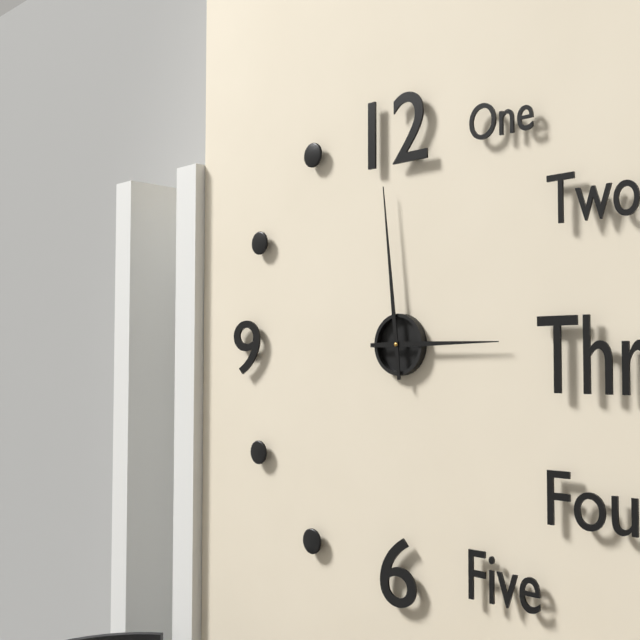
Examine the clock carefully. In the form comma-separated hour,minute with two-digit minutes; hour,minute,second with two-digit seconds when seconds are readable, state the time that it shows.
2,59
